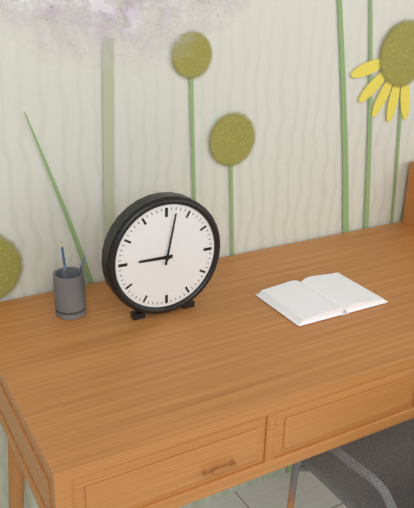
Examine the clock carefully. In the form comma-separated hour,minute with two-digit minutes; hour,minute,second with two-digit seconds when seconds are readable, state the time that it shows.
9,02
